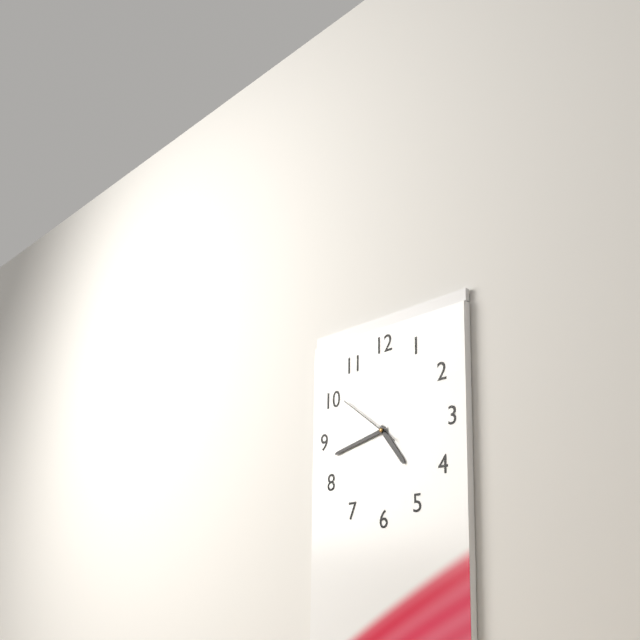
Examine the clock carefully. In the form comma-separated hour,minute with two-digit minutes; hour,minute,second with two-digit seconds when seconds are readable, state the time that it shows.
4,43,51
